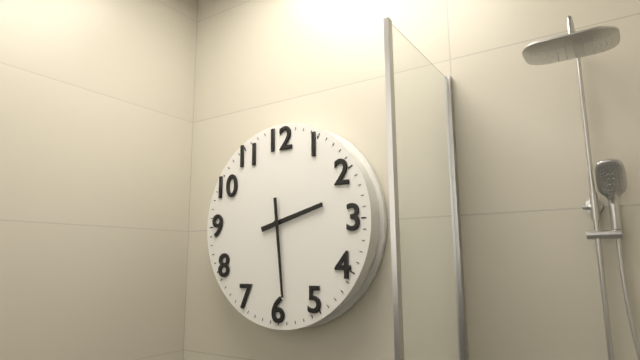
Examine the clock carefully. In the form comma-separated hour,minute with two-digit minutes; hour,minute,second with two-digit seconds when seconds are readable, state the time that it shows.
2,29
